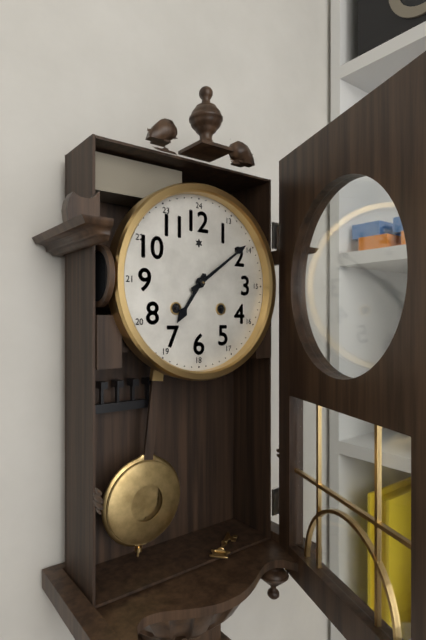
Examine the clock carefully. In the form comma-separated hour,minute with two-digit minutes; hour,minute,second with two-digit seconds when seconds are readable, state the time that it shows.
7,09
